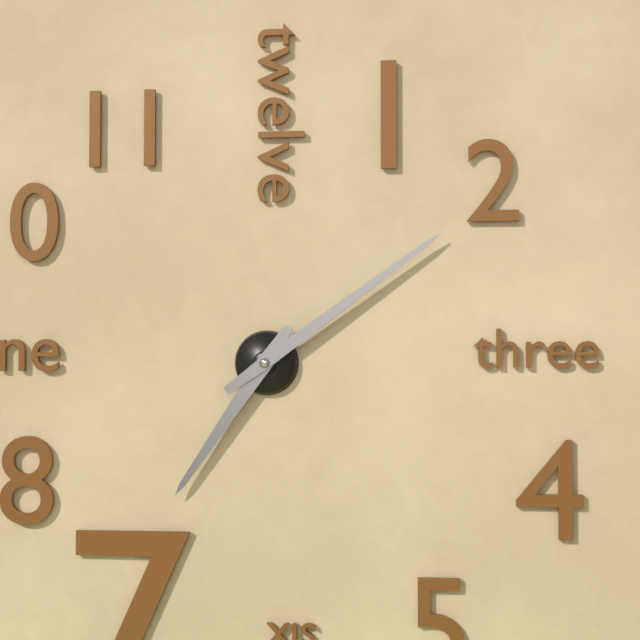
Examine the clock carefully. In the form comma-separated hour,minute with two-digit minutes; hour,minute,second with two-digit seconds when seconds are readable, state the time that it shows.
7,09
